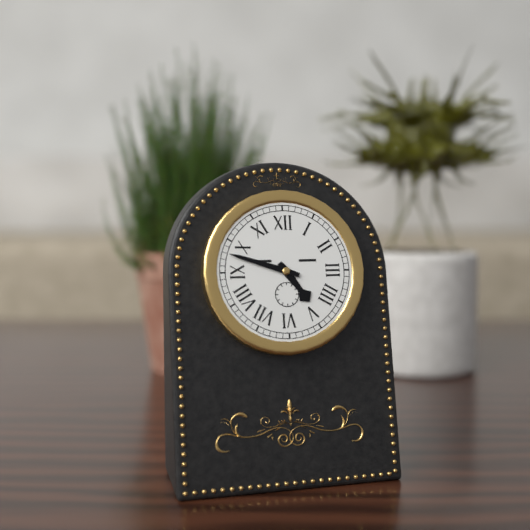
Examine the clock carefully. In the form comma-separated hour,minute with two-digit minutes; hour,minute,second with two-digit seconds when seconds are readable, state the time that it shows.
4,48
